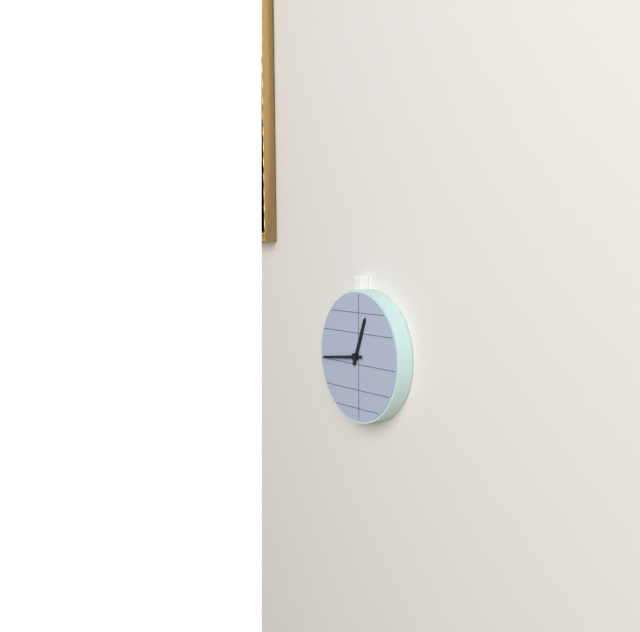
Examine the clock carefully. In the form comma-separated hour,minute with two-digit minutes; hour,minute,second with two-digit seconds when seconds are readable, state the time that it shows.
12,44
